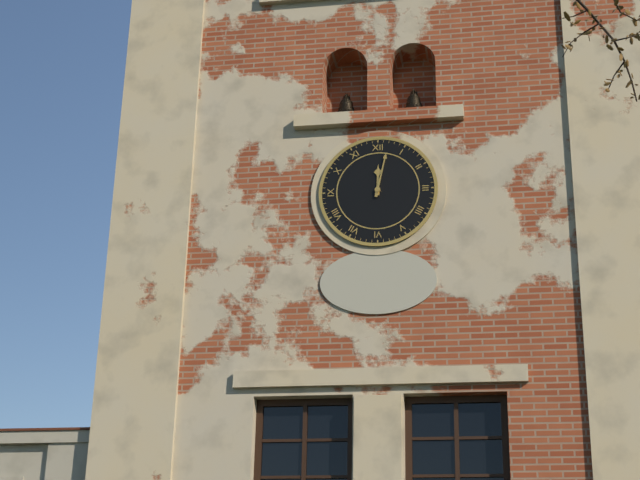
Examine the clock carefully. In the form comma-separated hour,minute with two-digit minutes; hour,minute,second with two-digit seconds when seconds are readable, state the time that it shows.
12,02
